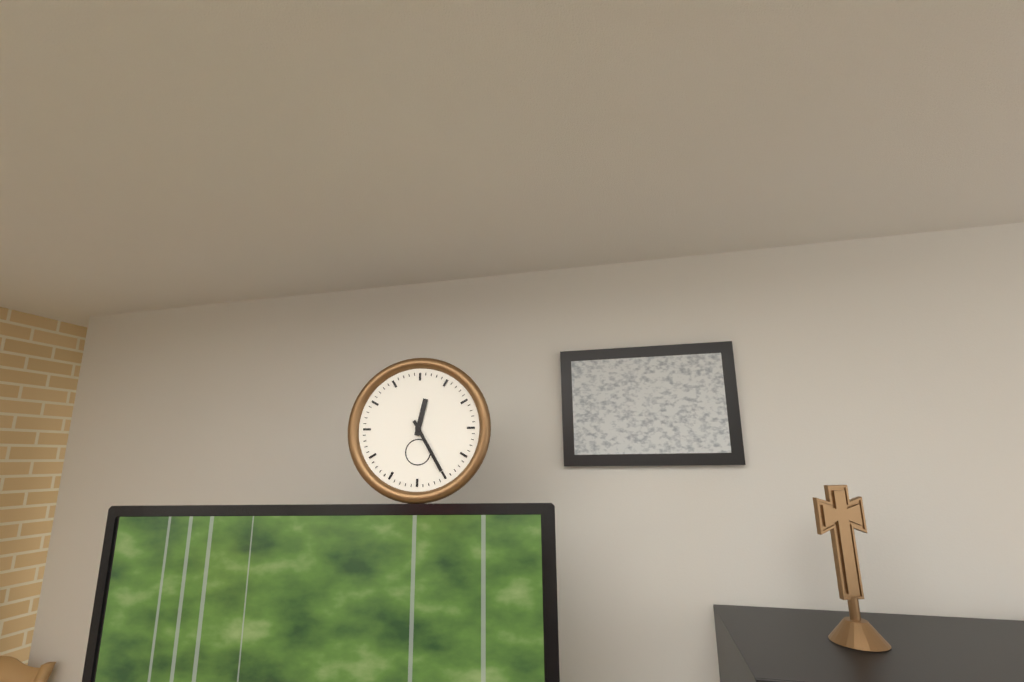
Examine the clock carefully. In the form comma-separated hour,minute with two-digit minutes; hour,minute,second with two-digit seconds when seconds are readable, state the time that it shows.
12,25
